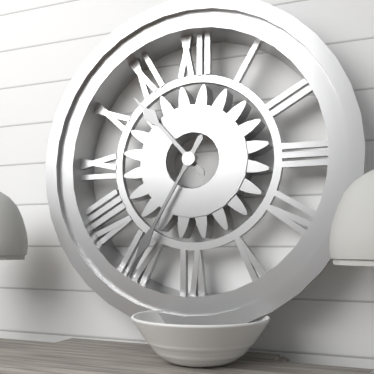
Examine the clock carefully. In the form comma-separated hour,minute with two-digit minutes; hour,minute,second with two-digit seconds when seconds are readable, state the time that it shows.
10,35
